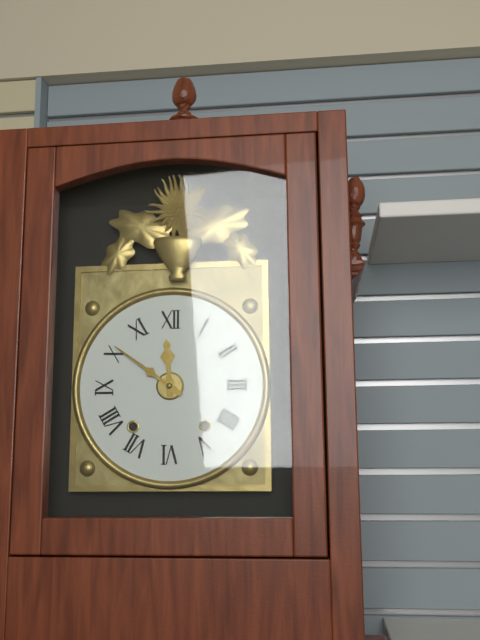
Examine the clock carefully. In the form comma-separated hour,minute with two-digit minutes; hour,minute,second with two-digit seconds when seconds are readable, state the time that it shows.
11,51
